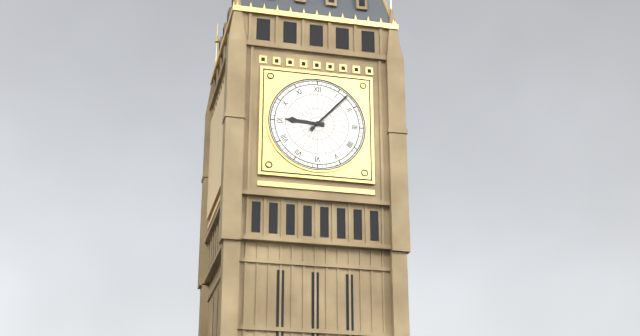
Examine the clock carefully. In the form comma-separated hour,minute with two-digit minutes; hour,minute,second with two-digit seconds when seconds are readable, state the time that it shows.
9,07
